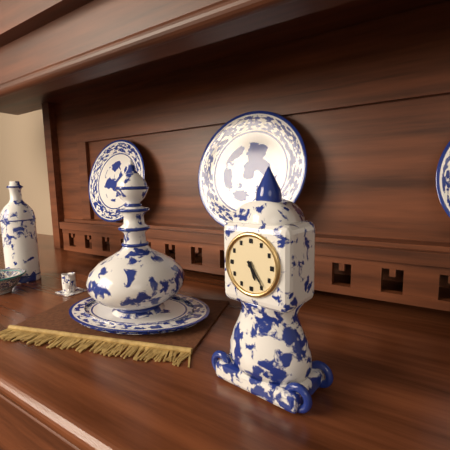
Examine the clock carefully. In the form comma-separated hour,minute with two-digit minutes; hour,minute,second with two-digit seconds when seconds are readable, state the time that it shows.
5,24
